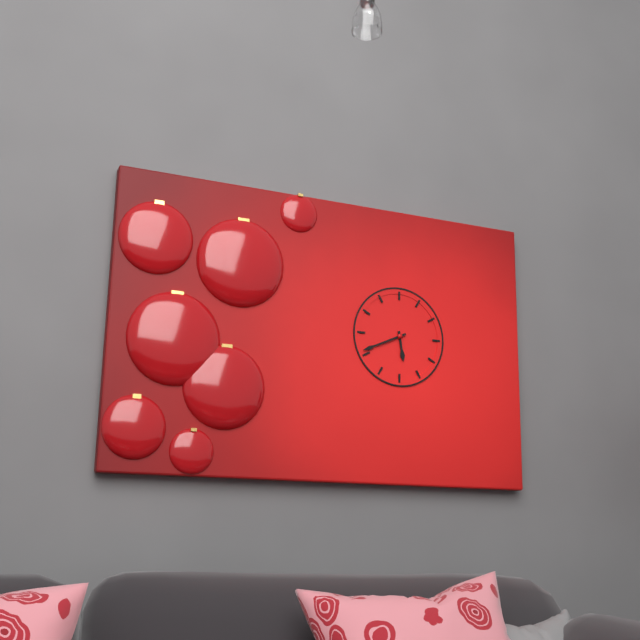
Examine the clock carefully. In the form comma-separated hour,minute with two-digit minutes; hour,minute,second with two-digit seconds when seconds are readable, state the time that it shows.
5,41
